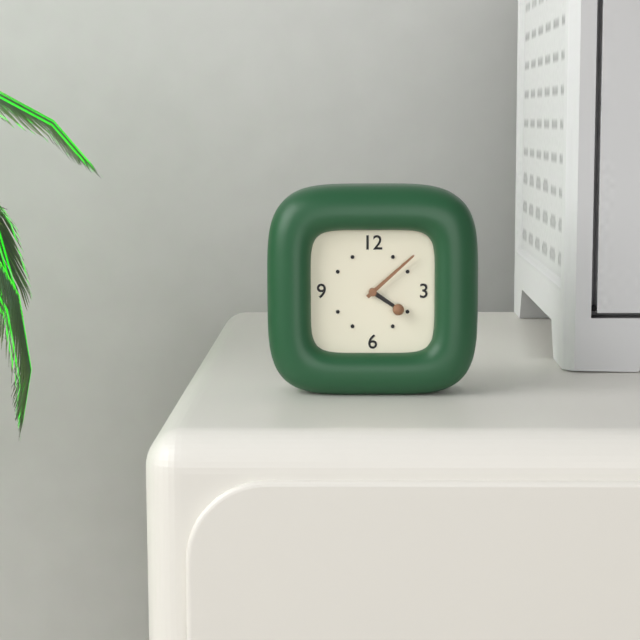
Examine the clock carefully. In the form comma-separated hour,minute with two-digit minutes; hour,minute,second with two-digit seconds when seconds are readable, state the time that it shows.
4,08
